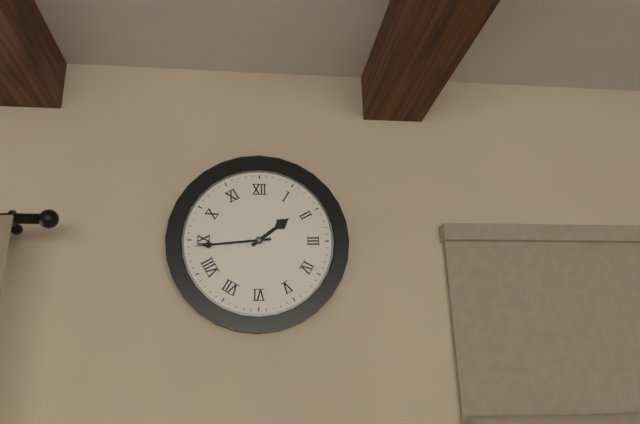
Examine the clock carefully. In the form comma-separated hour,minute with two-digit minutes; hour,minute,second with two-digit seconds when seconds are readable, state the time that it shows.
1,44
